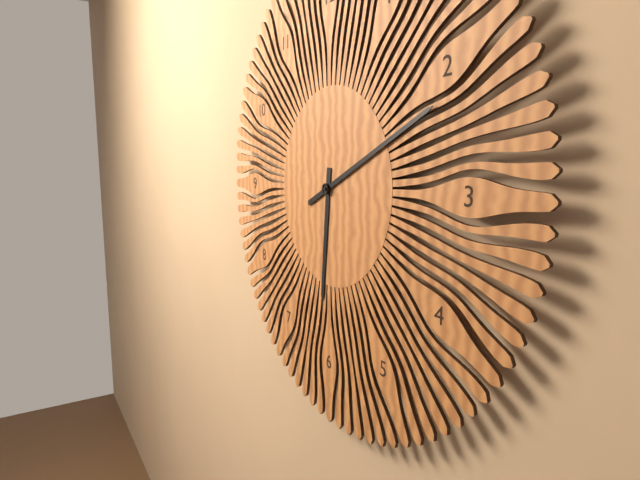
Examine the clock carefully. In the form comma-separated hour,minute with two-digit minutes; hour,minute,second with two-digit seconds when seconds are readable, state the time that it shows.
6,11
